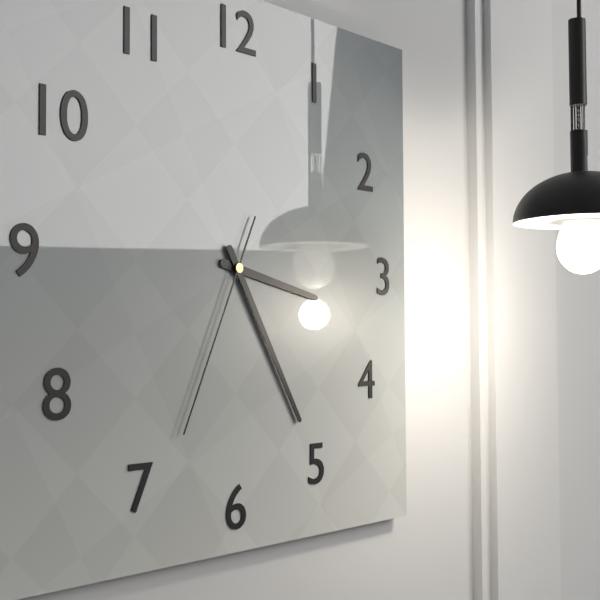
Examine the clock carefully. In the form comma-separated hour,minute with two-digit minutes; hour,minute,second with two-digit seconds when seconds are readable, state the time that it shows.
3,25,34
